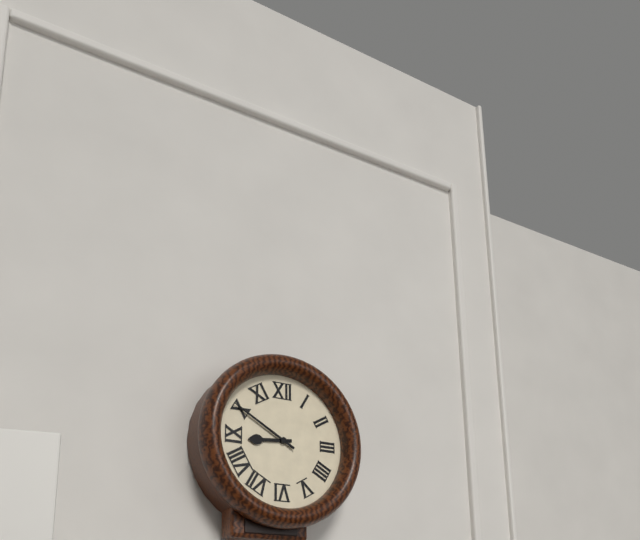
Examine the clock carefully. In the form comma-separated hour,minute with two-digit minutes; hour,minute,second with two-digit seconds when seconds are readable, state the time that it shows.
8,50
